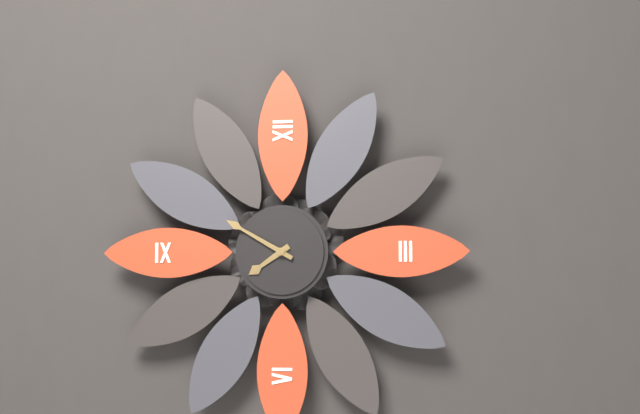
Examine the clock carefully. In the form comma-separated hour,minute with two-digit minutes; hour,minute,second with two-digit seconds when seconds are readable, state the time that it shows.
7,50
